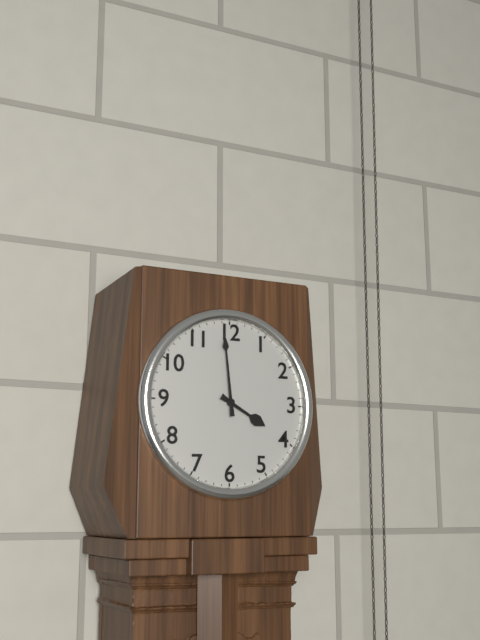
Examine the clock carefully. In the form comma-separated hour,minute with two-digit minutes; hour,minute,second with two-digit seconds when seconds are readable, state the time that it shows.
3,59
